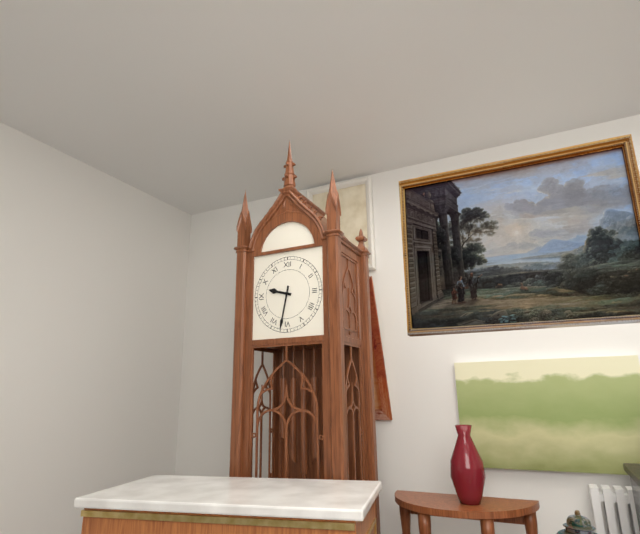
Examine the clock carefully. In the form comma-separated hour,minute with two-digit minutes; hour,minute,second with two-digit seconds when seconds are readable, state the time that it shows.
9,32
